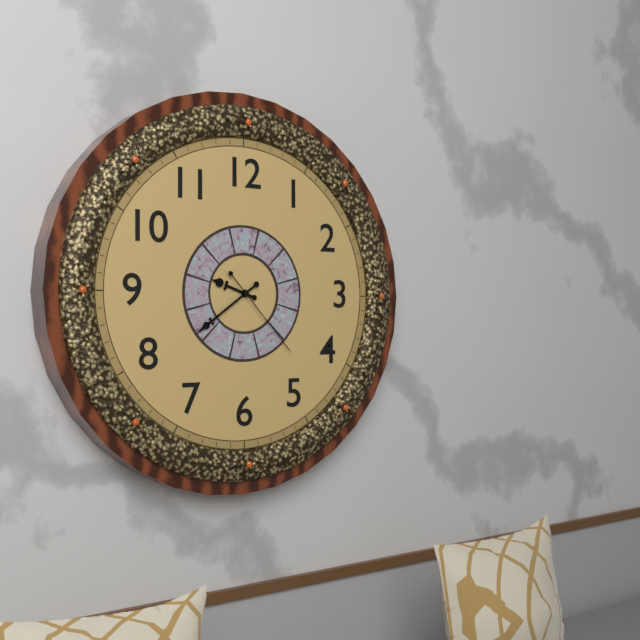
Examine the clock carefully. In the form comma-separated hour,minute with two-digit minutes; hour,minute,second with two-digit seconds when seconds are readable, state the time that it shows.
9,39,23
